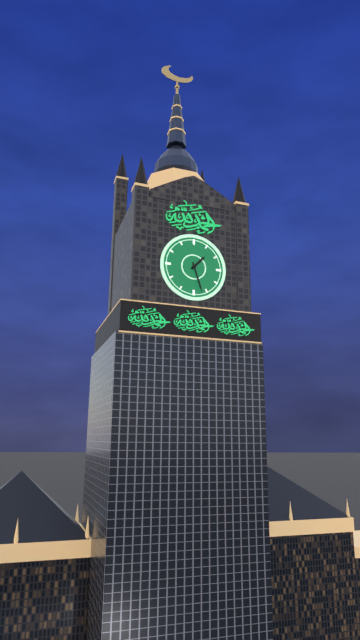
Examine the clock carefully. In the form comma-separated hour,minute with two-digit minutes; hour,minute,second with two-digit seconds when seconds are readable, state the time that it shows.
1,27
